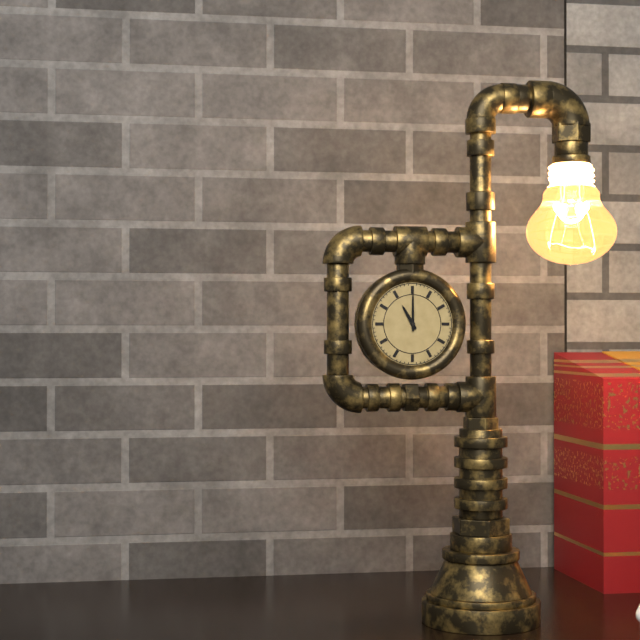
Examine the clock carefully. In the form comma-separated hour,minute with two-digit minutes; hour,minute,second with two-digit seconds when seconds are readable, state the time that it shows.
11,00
